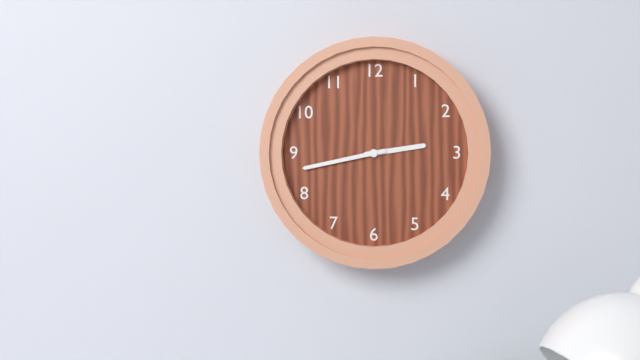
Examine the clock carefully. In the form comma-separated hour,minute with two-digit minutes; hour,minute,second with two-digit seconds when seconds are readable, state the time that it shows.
2,43
